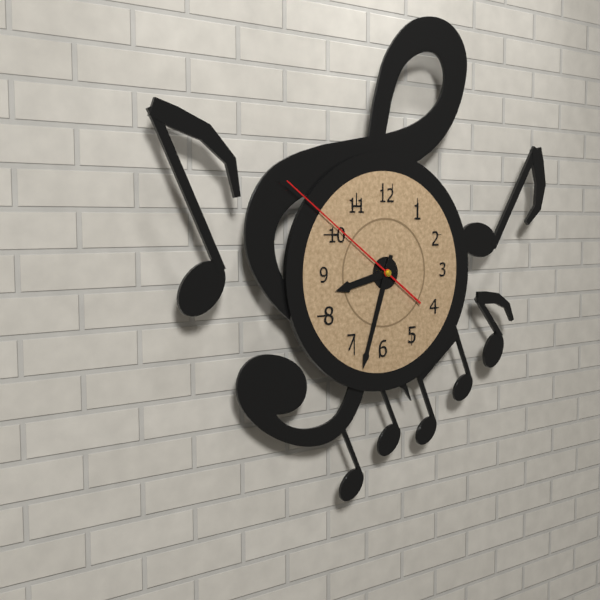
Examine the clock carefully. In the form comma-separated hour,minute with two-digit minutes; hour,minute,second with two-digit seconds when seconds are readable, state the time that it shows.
8,33,51
